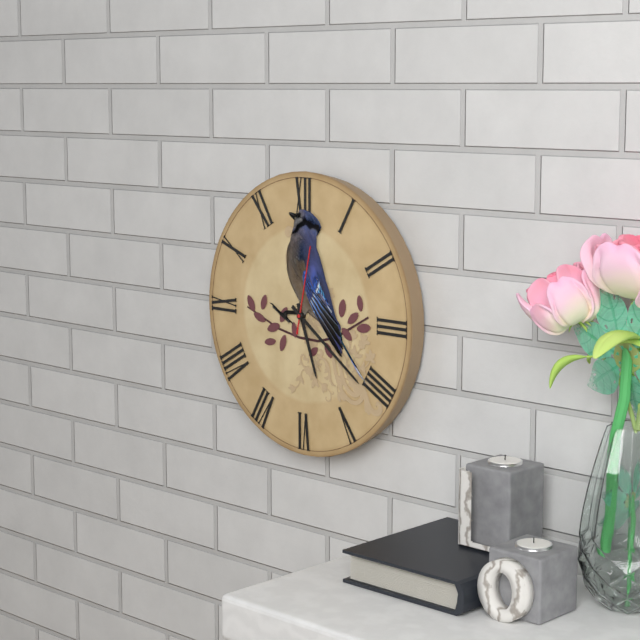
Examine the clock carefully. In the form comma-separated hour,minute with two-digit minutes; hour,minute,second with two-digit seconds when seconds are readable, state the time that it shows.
5,21,02
